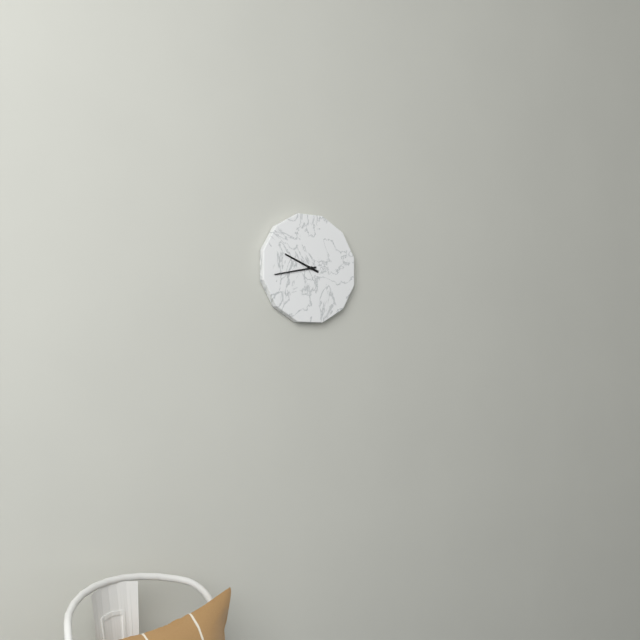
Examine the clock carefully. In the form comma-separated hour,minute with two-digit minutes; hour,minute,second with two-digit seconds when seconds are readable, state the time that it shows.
9,43
